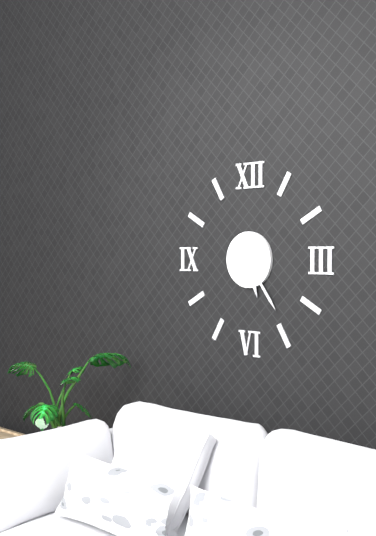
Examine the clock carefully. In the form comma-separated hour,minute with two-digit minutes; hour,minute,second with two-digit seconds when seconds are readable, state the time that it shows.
5,24
